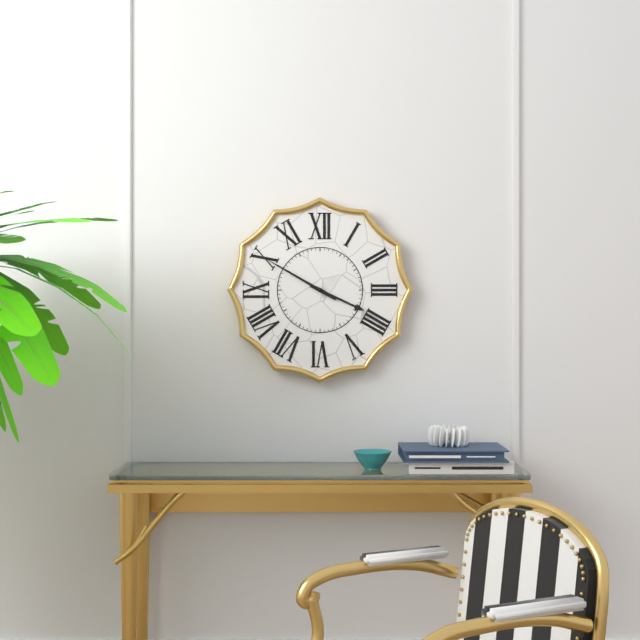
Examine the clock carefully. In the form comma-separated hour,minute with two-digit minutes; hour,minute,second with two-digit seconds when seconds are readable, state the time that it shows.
3,50
